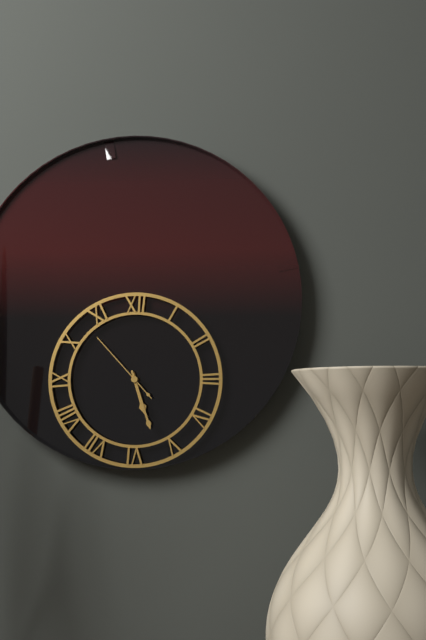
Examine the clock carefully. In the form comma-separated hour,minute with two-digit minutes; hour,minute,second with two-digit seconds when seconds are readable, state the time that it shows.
5,27,53
